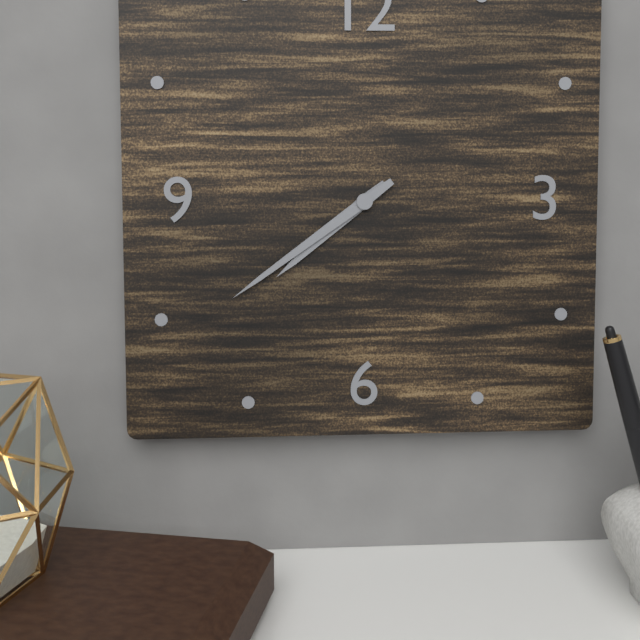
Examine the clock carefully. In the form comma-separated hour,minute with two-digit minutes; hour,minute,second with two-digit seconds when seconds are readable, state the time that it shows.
7,39
